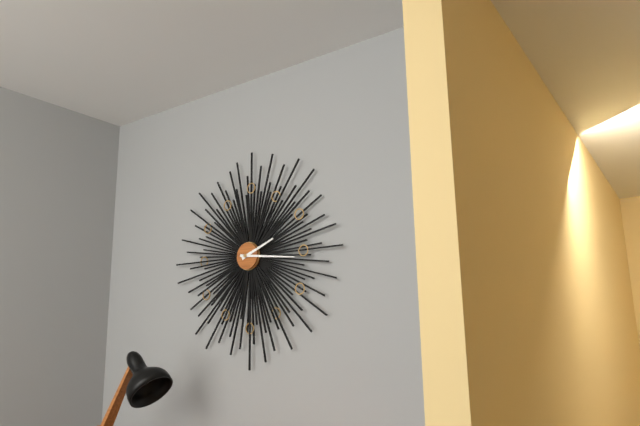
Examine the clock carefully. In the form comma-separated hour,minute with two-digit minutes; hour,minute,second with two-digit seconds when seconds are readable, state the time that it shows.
2,16
